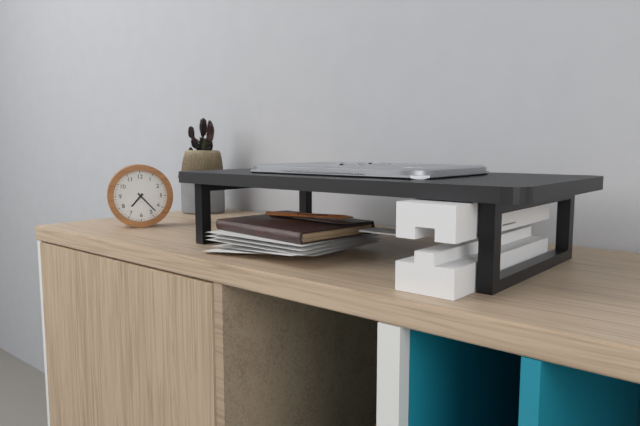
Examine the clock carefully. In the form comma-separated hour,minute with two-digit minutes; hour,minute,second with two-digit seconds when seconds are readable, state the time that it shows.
7,23
